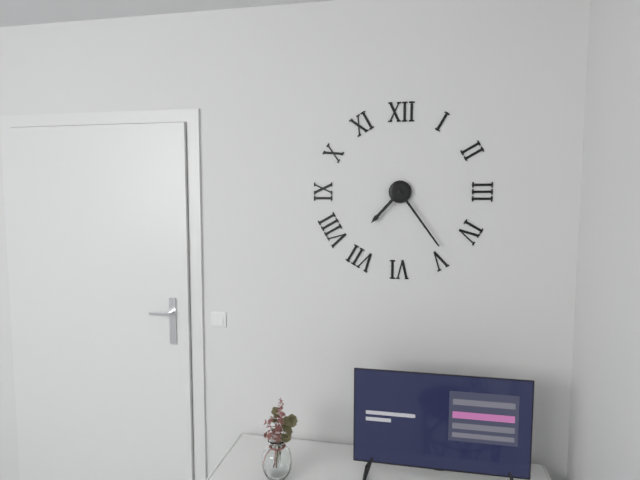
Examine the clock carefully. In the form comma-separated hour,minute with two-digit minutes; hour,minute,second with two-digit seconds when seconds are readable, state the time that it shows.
7,24
